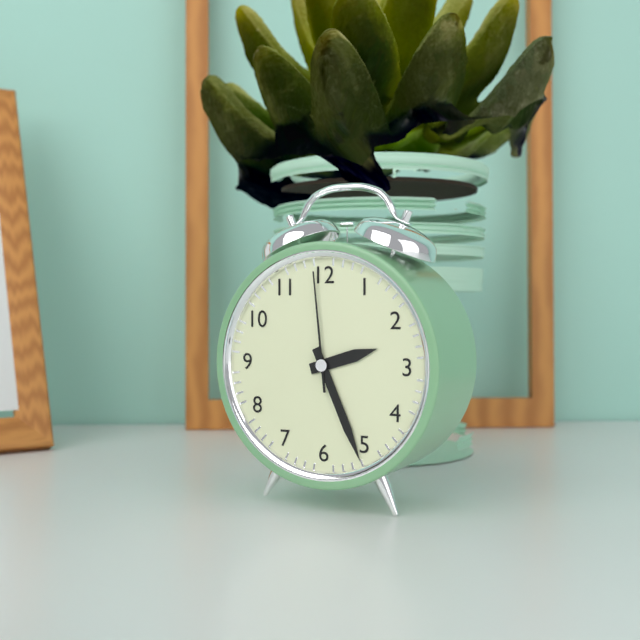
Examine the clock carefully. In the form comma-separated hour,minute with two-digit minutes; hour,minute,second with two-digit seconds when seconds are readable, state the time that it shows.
2,26,59
